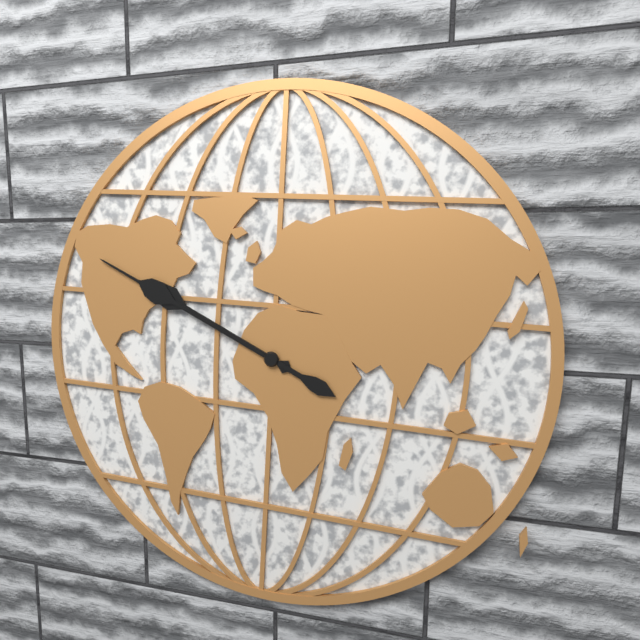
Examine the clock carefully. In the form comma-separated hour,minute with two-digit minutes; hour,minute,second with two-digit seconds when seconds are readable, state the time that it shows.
9,49
